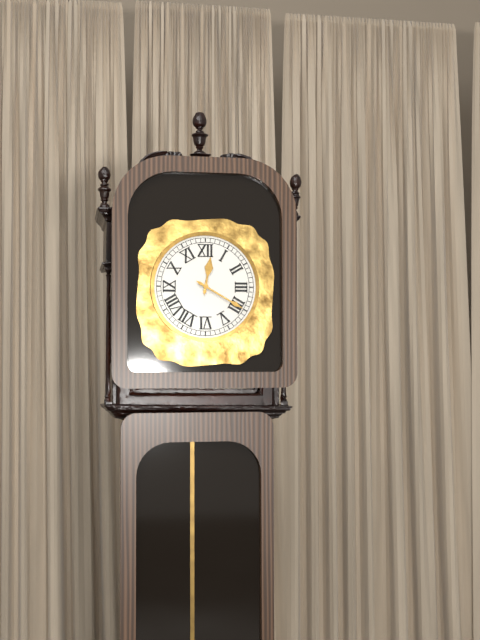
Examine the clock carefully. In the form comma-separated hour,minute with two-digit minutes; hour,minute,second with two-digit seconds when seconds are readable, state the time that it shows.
12,20
